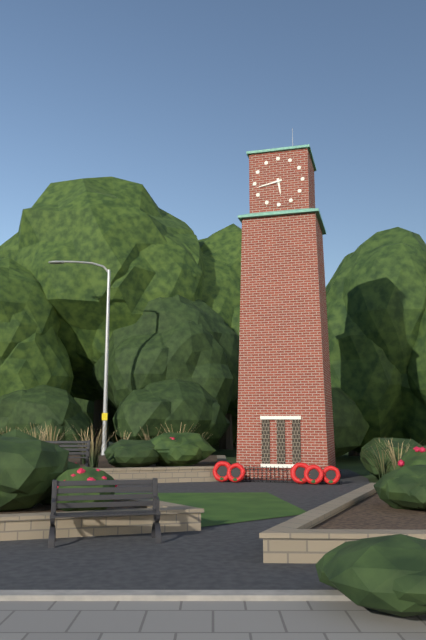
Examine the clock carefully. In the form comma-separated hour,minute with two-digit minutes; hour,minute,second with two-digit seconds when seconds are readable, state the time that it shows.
5,43
